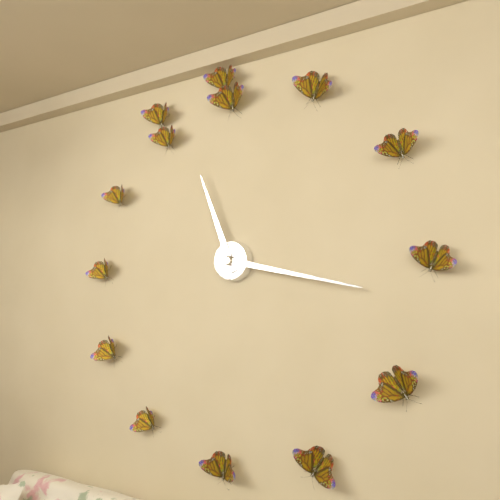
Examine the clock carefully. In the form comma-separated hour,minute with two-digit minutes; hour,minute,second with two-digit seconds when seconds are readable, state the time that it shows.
11,17
